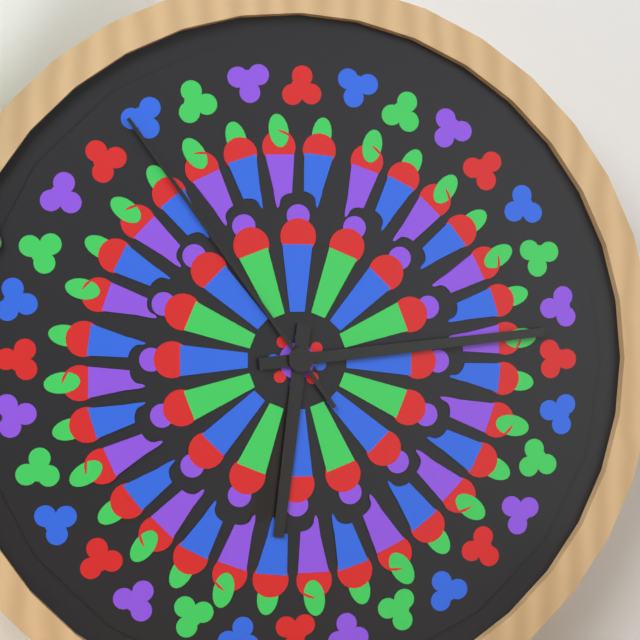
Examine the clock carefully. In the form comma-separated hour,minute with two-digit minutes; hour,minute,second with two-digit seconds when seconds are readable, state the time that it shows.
6,14,54
